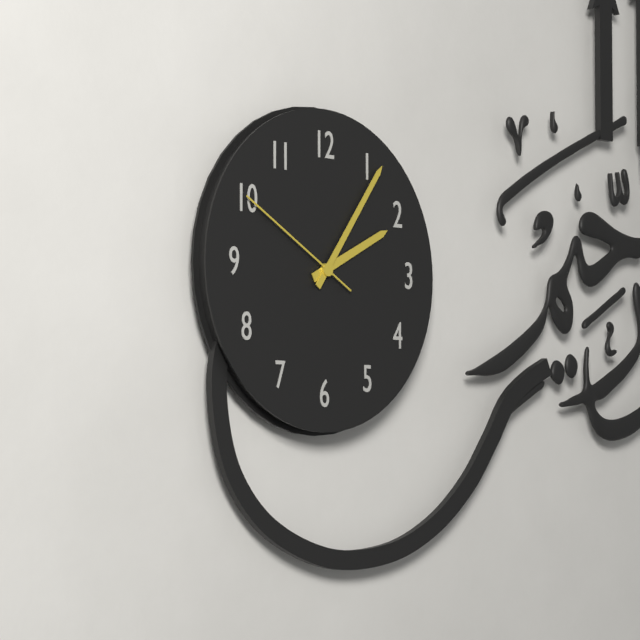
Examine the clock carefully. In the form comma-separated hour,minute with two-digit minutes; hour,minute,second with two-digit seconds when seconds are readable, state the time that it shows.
2,06,50
